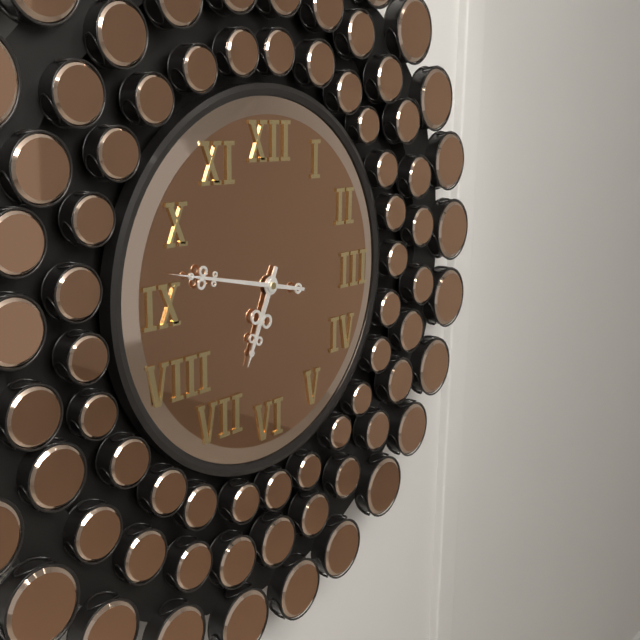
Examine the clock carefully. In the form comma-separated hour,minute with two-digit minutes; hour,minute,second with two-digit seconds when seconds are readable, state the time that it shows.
6,47
